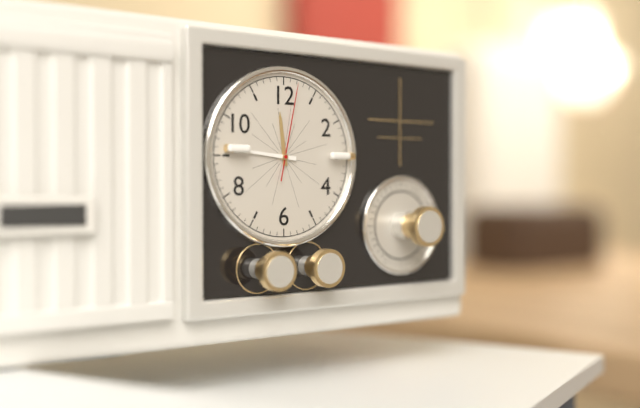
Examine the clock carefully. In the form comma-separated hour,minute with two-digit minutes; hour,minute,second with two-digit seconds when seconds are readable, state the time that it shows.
11,46,02
